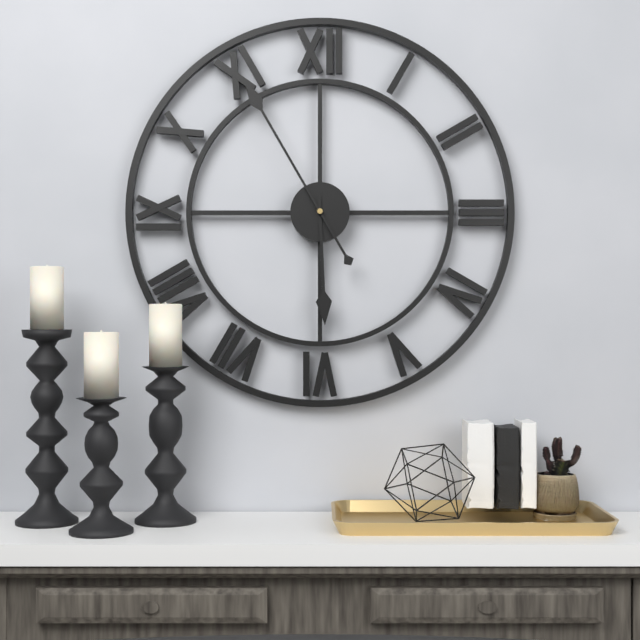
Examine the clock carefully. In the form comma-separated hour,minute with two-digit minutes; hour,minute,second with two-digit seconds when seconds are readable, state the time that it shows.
5,55
